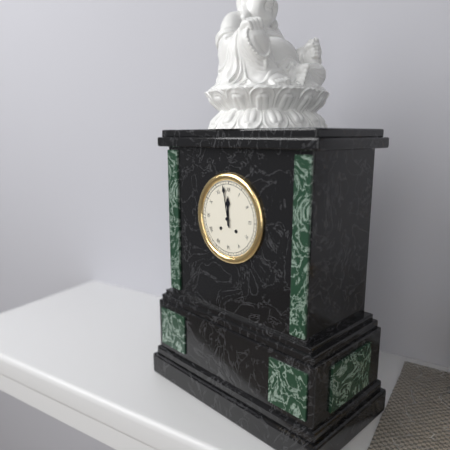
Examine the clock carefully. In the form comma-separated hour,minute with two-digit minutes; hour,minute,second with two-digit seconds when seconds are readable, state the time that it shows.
11,58
